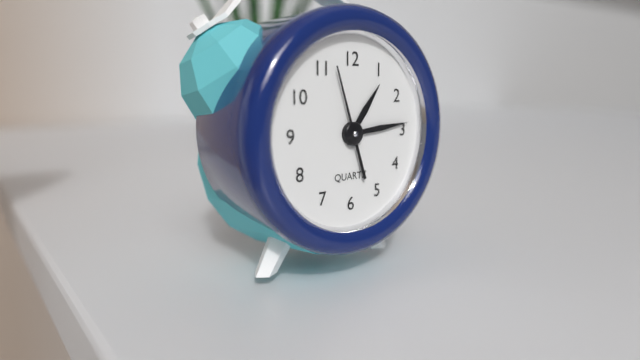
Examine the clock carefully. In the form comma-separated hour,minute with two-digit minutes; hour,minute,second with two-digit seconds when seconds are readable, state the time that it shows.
1,14,57
